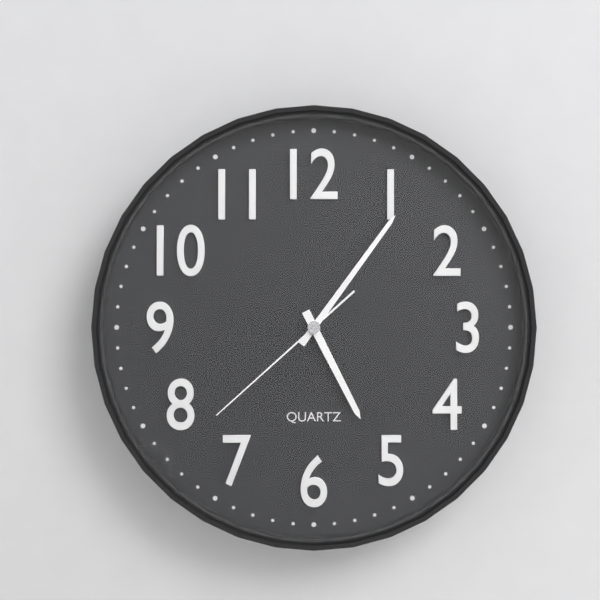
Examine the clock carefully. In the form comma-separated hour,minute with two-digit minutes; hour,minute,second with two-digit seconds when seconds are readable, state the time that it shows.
5,06,38
